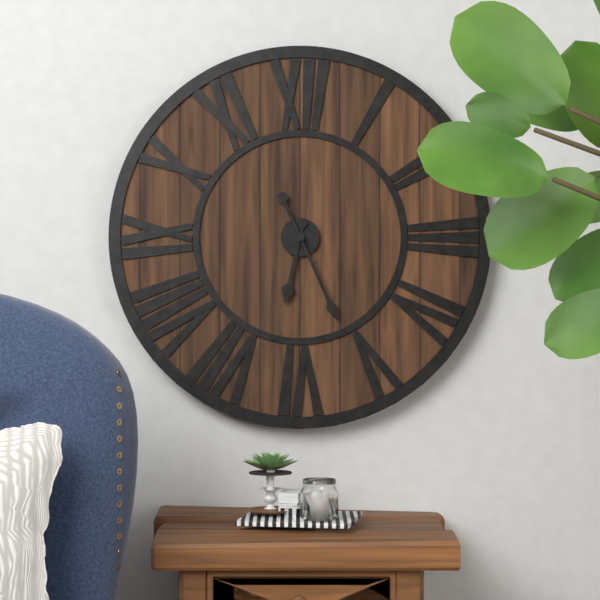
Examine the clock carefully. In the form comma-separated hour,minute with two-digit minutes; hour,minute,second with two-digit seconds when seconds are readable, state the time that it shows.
6,26
